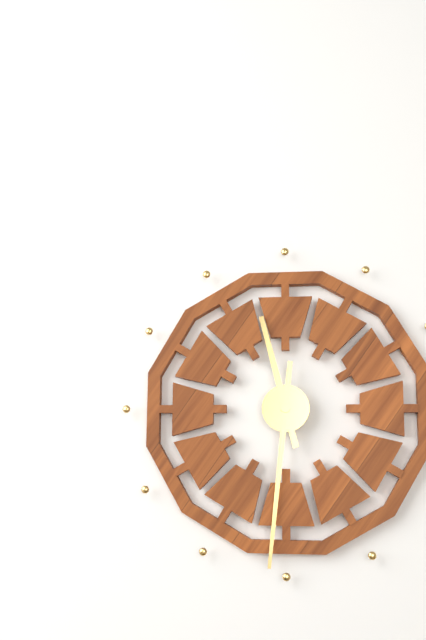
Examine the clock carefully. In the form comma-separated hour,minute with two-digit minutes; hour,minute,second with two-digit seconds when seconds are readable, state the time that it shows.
11,31
